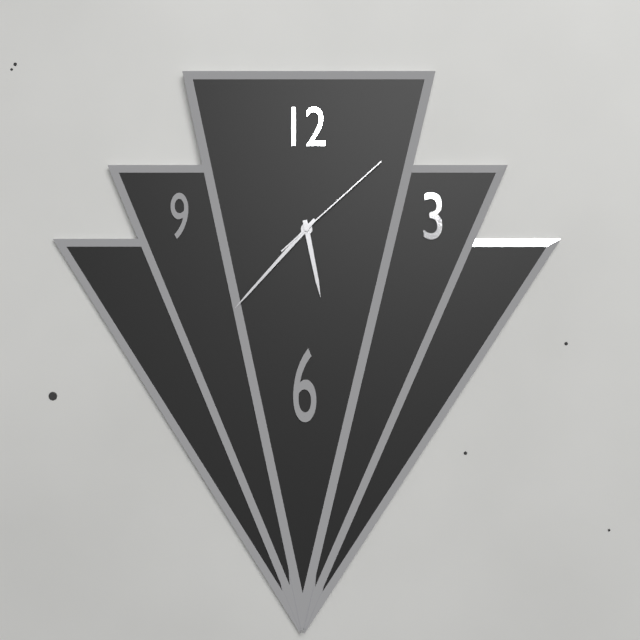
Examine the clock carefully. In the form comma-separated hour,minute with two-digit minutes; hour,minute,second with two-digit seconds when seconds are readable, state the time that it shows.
5,37,08
